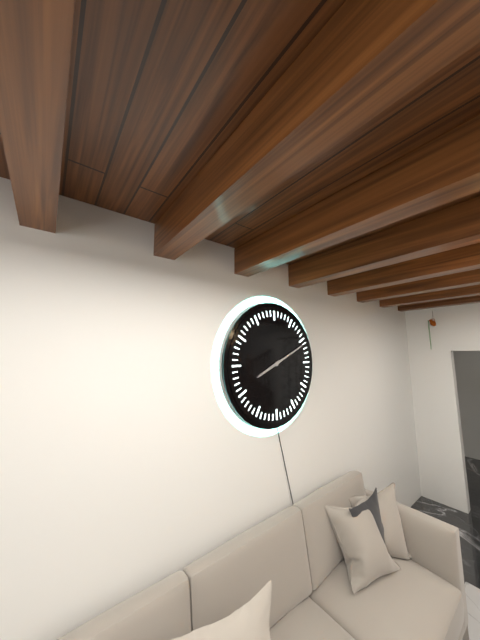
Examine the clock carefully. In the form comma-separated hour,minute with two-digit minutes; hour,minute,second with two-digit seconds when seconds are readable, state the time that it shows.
8,11
